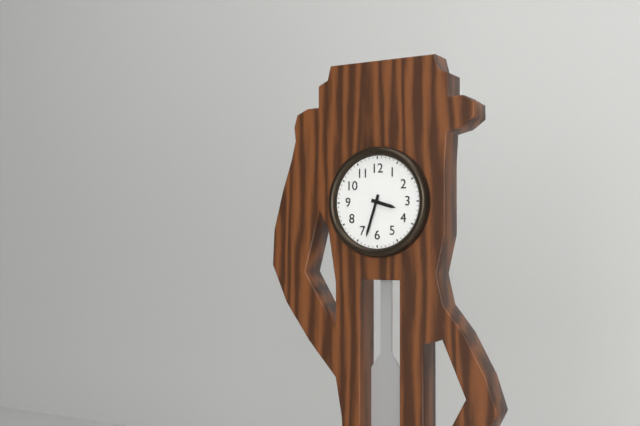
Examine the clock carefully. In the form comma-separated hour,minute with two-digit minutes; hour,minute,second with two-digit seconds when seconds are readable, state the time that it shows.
3,33
